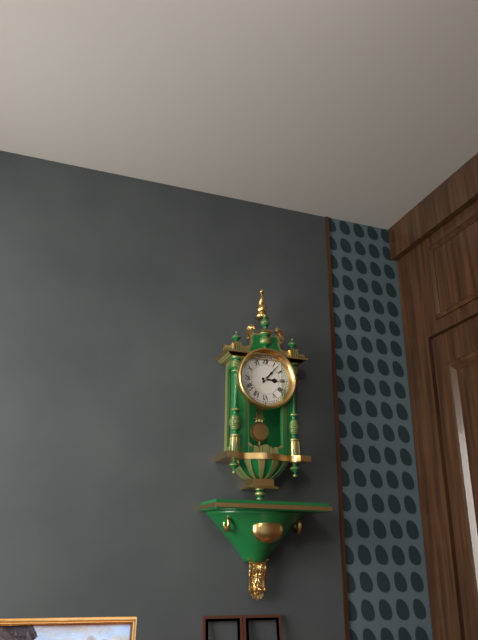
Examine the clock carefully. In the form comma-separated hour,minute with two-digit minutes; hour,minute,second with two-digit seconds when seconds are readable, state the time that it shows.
3,07
